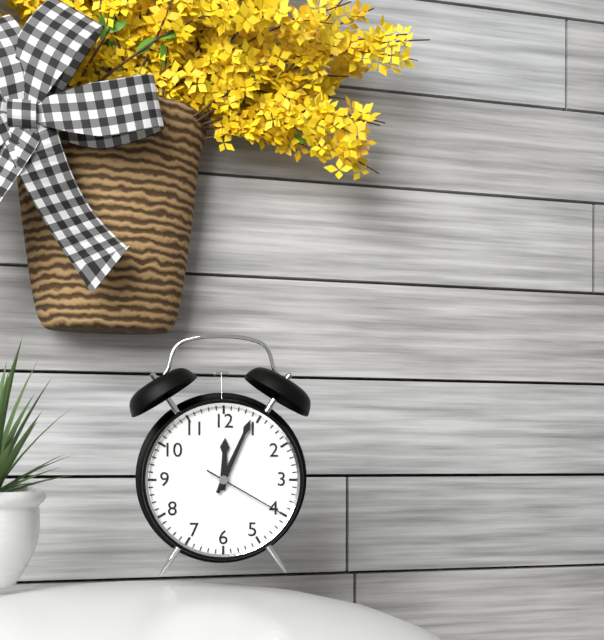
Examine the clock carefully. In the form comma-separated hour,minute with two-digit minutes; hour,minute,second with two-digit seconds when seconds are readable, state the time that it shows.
12,04,20
